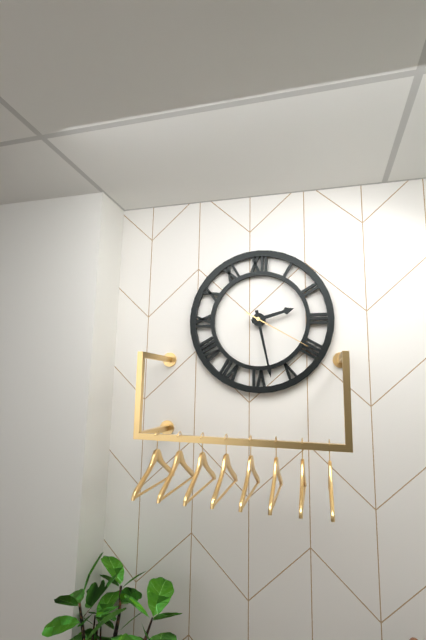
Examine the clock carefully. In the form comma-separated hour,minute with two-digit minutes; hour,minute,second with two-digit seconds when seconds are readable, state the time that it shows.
2,28,20
